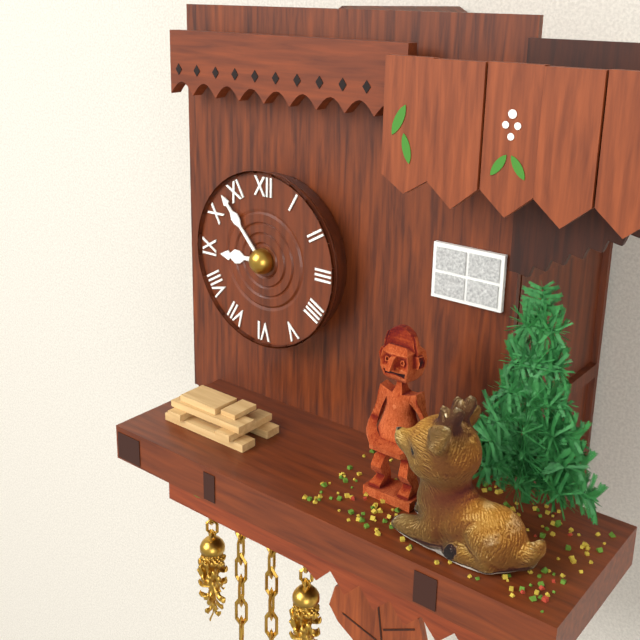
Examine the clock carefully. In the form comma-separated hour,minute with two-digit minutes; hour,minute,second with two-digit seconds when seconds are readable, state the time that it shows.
8,53
